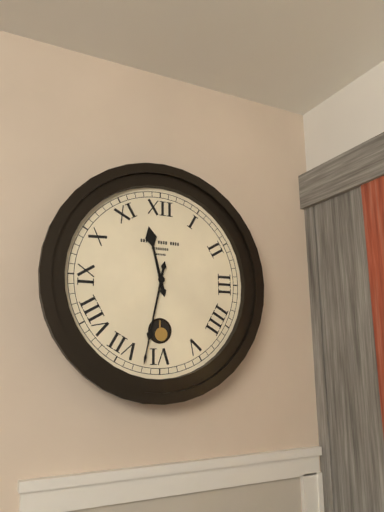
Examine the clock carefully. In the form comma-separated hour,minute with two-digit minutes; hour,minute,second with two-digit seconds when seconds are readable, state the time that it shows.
11,32
